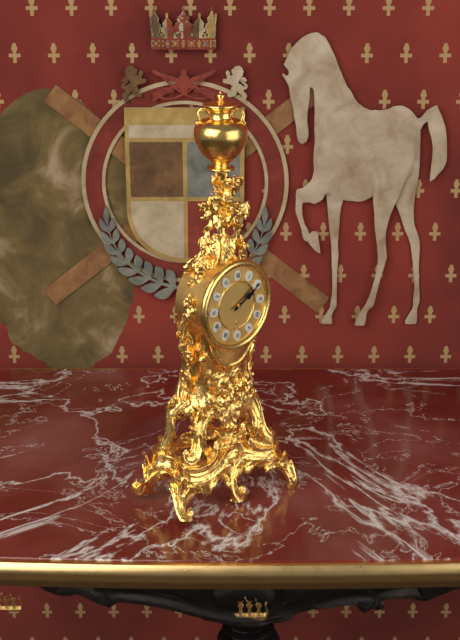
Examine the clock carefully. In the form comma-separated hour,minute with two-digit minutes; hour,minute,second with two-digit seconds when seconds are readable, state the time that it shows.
2,10
